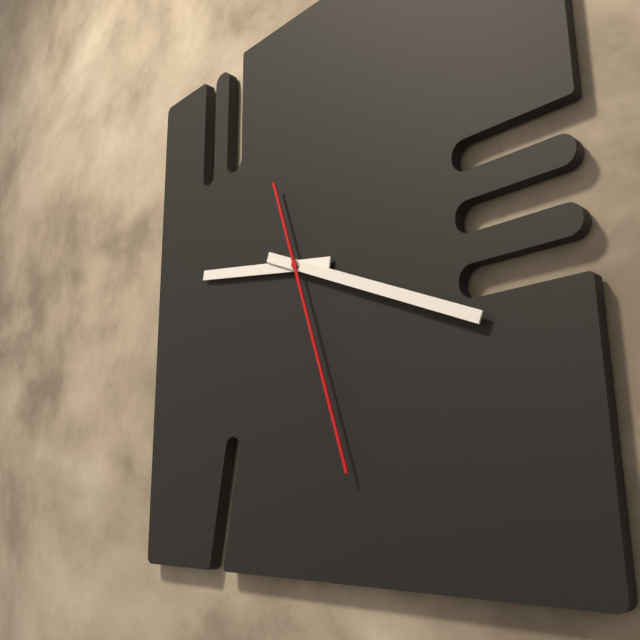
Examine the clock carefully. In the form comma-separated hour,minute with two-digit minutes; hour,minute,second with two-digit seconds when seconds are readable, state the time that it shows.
9,19,27
